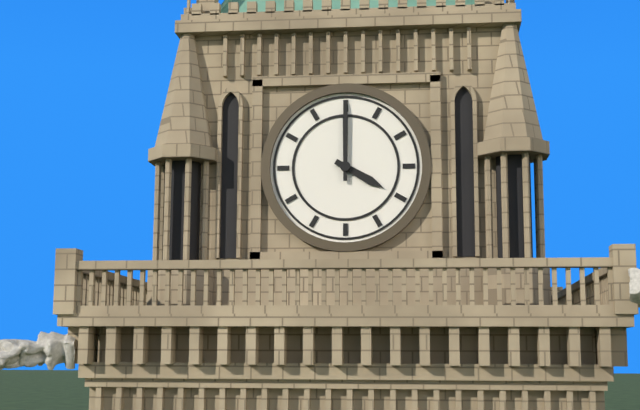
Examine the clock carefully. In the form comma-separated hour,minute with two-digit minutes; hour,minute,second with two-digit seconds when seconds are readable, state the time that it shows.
4,00
